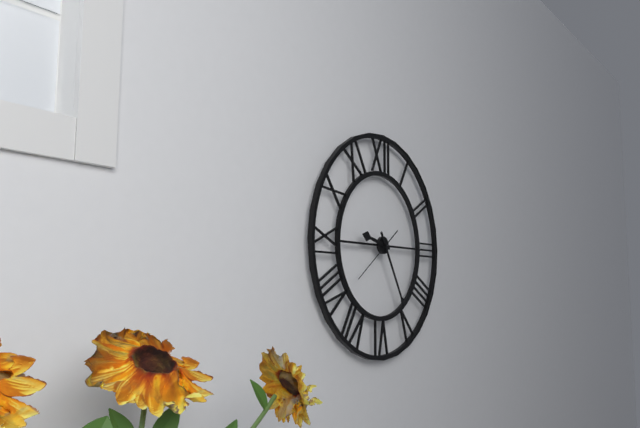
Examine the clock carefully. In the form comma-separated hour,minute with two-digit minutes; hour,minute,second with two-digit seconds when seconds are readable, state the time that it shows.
9,25
